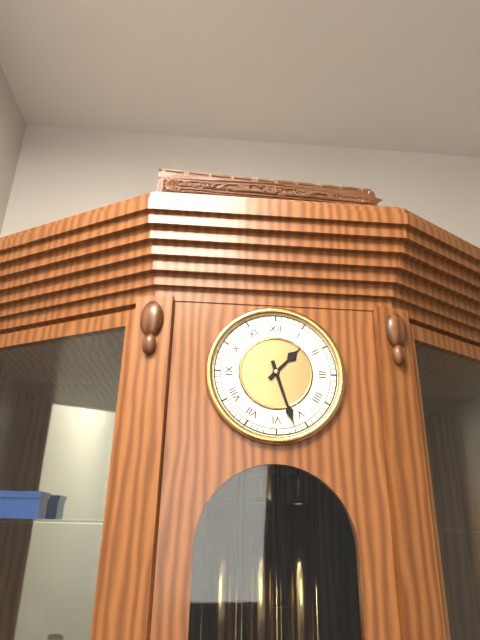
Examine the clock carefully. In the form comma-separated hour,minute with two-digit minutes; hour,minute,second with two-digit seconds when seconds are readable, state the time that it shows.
1,27
